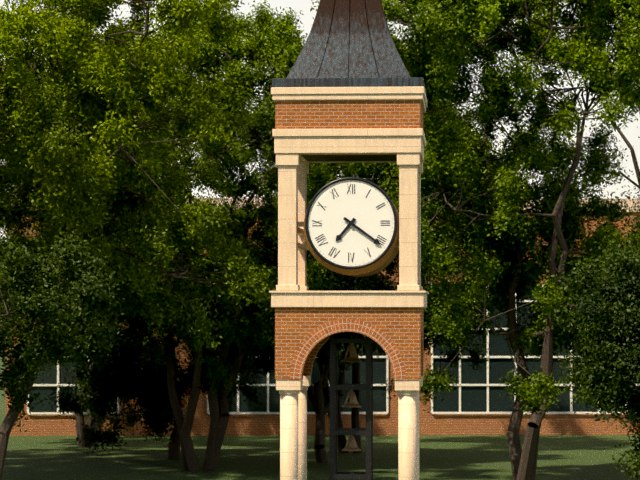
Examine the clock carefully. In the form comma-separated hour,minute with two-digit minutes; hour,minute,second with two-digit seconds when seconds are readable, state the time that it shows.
7,21
